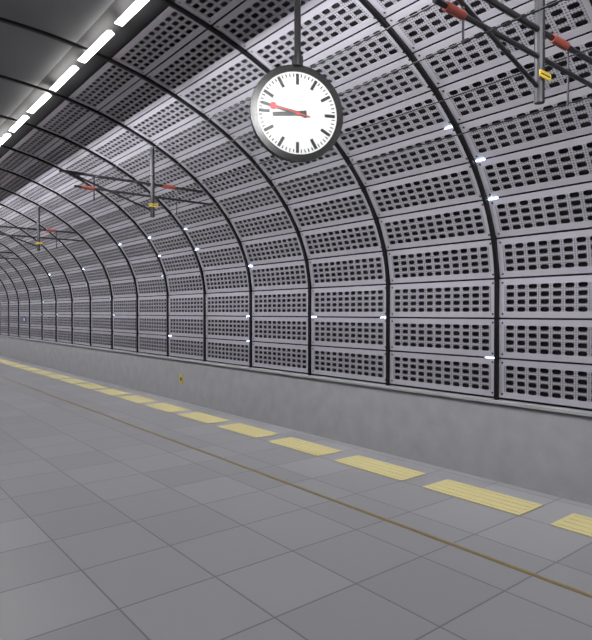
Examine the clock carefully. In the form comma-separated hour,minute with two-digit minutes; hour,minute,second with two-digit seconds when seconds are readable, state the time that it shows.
8,47
